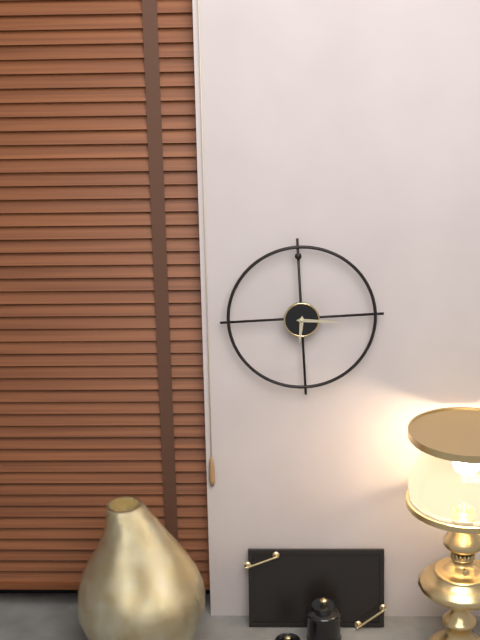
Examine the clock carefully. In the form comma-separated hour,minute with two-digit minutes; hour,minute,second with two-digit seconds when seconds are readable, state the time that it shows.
6,16
